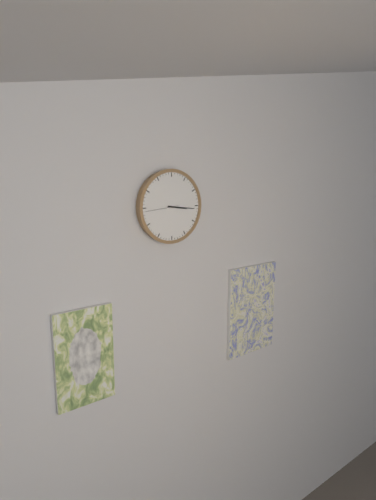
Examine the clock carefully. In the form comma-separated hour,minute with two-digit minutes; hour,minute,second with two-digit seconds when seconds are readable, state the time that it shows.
3,16
